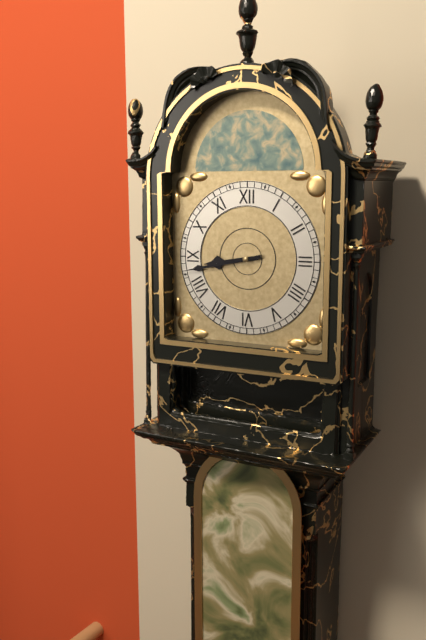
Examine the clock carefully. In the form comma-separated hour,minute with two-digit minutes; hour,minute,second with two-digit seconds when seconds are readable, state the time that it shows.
8,43
